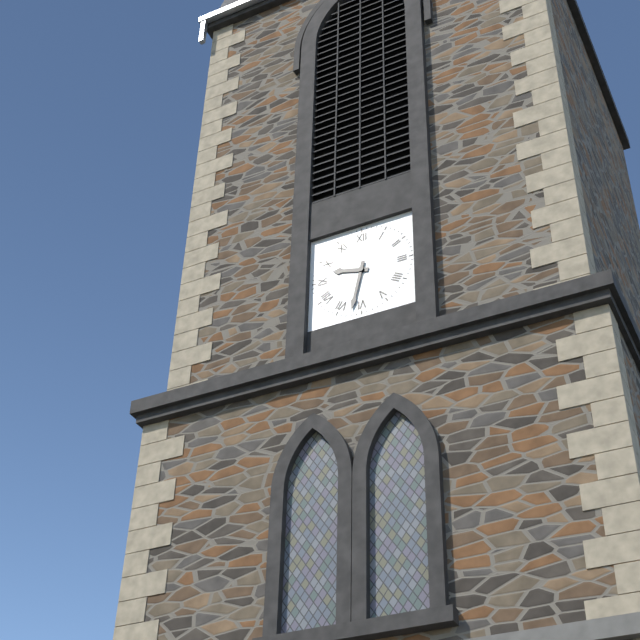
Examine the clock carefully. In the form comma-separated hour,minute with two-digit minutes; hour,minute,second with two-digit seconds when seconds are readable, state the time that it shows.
9,32
